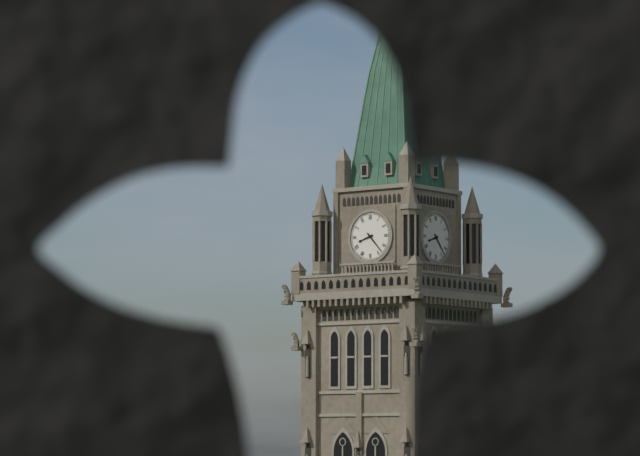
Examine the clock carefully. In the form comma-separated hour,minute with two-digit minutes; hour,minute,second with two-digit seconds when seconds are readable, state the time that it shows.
8,23
